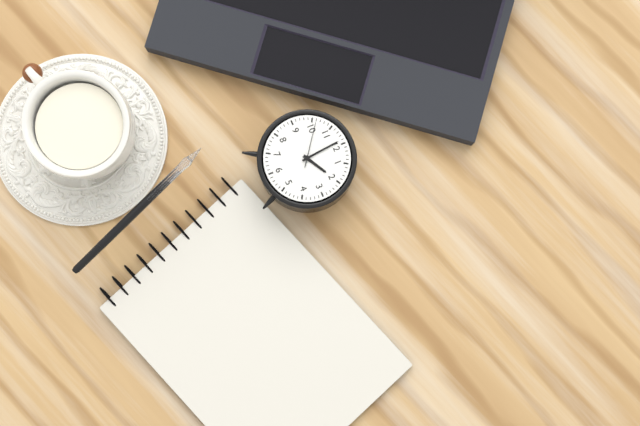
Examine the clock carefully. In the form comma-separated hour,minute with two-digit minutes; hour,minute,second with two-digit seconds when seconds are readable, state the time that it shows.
1,59
